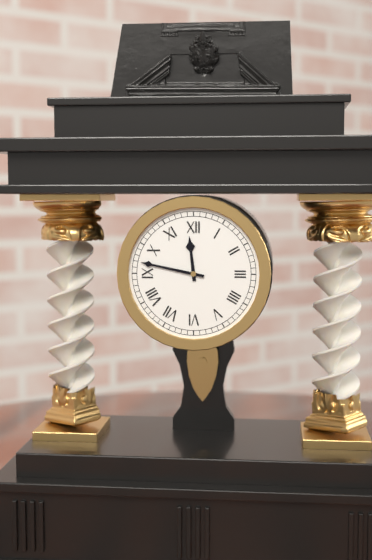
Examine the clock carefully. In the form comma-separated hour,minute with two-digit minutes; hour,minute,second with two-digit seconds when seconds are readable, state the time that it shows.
11,47
